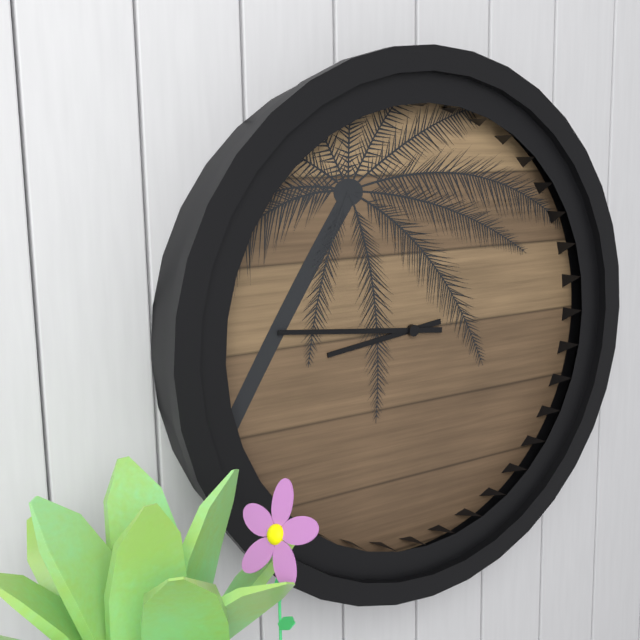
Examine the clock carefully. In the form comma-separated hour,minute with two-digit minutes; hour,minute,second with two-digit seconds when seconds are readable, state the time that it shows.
8,46
